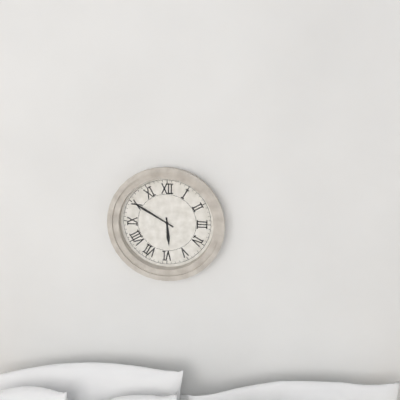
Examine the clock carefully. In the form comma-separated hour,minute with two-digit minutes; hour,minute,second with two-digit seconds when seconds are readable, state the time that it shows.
5,50
